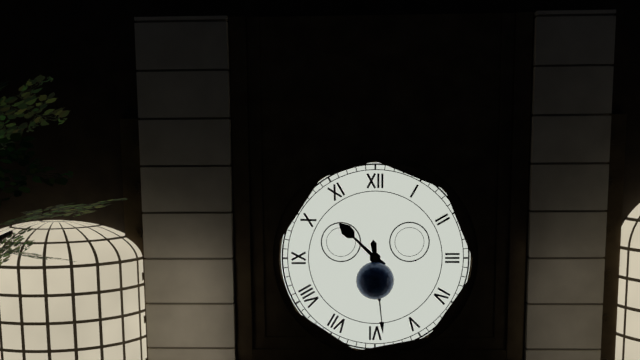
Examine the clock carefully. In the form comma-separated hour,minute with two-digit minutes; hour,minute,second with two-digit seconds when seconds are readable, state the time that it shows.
10,29
